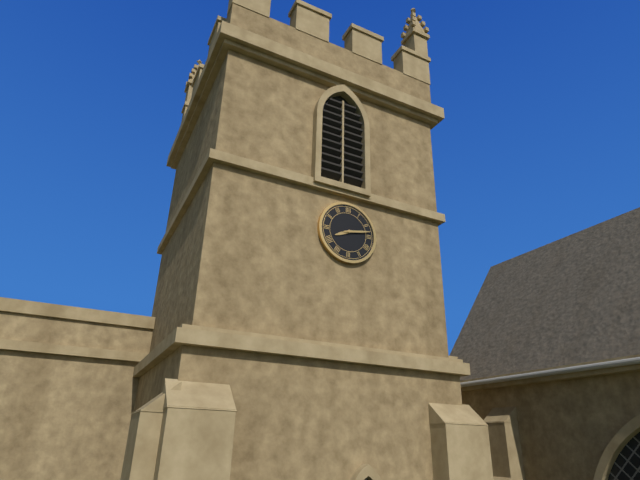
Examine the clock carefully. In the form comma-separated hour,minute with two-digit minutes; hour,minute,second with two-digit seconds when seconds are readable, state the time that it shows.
8,13
